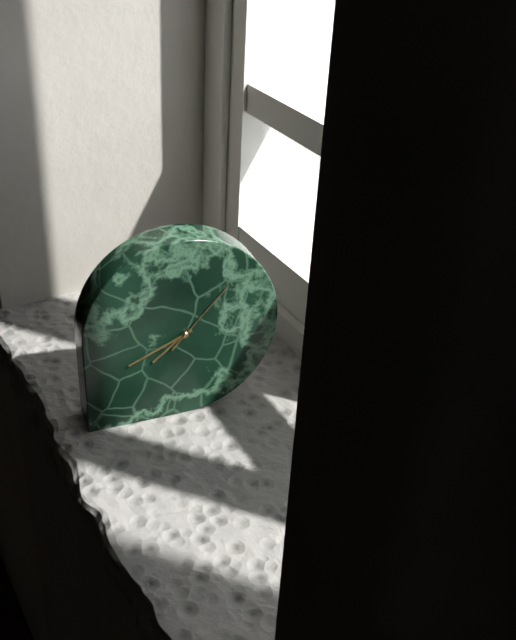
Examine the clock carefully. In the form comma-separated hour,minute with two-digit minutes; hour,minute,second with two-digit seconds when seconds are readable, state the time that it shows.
7,41,07
